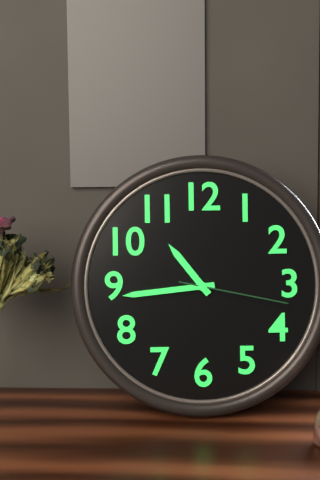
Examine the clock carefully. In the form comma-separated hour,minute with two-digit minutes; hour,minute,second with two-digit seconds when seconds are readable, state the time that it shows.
10,44,17
